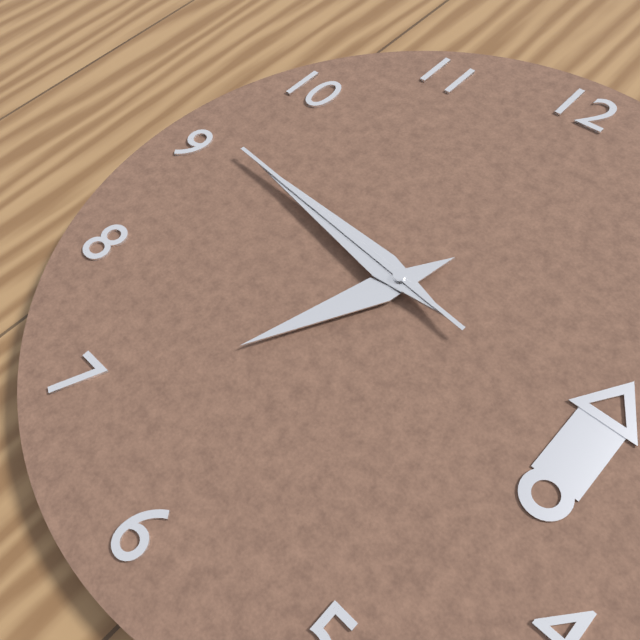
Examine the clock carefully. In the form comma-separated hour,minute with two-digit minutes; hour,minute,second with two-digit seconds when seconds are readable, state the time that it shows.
6,46,46
